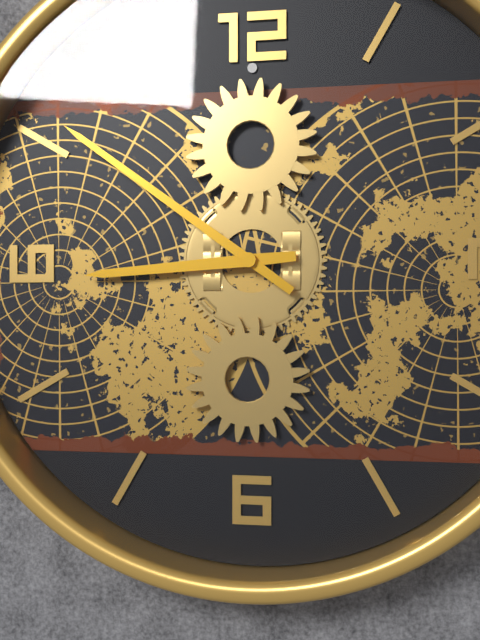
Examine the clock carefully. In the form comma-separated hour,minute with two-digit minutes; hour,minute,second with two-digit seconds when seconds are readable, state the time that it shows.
8,51
